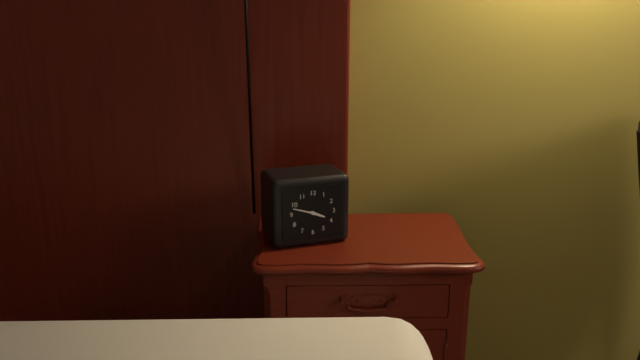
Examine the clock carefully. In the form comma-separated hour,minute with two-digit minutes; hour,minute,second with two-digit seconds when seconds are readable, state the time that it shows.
3,48
